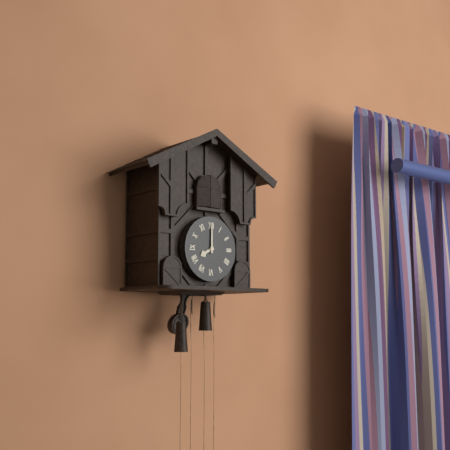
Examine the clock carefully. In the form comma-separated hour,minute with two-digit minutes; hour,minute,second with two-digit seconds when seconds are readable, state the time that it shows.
8,00
